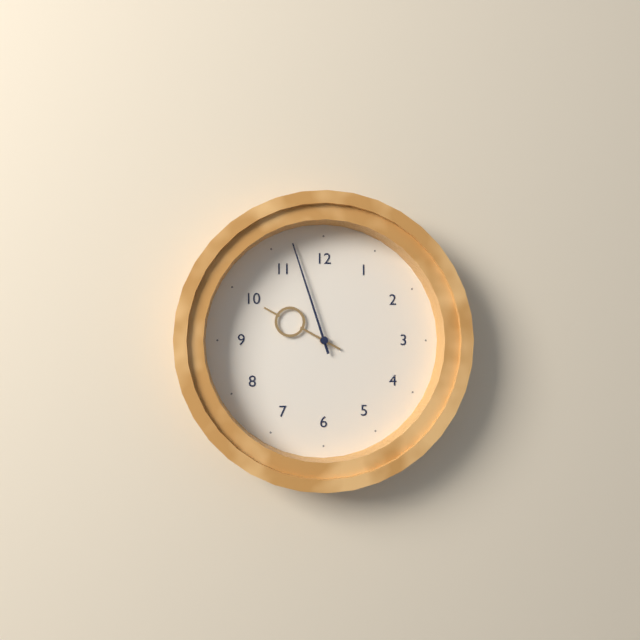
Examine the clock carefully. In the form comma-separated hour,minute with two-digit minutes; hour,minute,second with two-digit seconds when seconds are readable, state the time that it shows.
9,57
